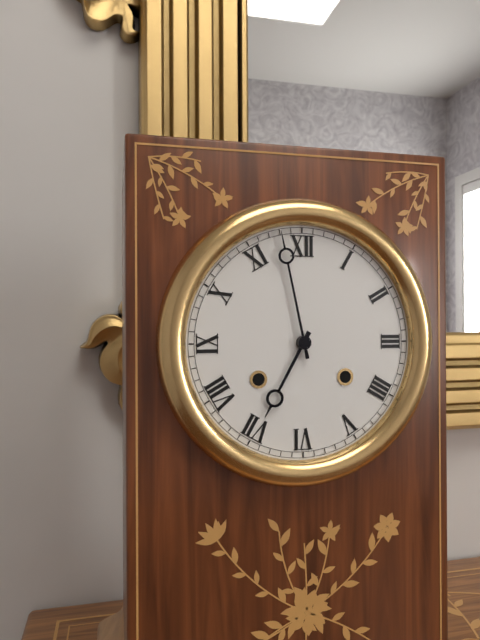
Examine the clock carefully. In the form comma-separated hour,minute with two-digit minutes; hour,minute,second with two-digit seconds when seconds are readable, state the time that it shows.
6,58
